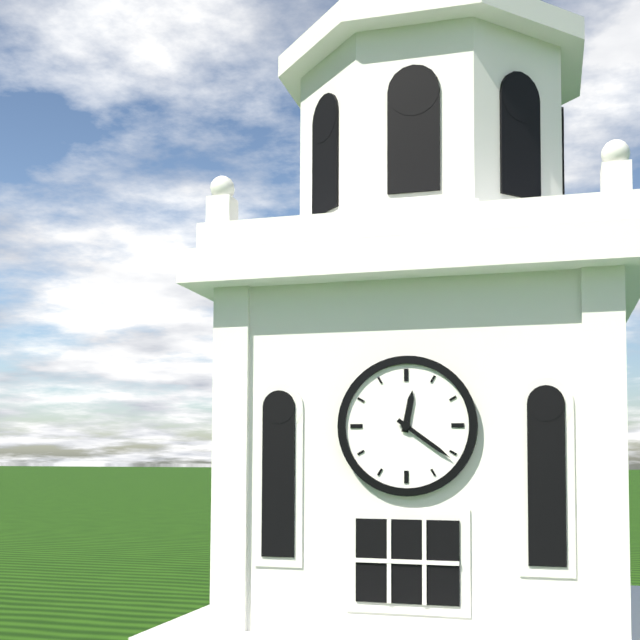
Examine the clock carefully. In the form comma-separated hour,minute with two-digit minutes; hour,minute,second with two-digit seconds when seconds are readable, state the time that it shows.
12,21
